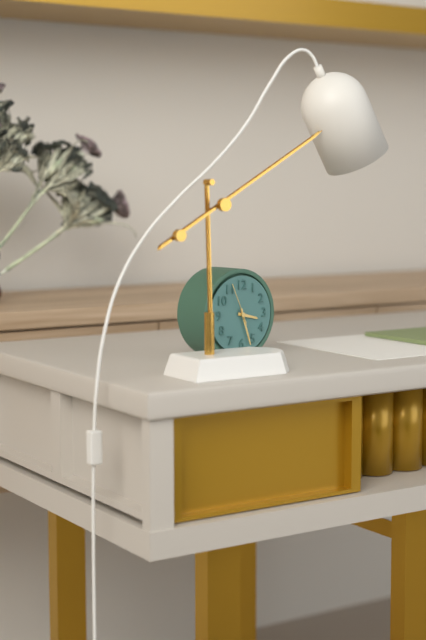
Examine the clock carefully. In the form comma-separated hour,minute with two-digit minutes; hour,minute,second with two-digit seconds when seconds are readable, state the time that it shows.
3,27
